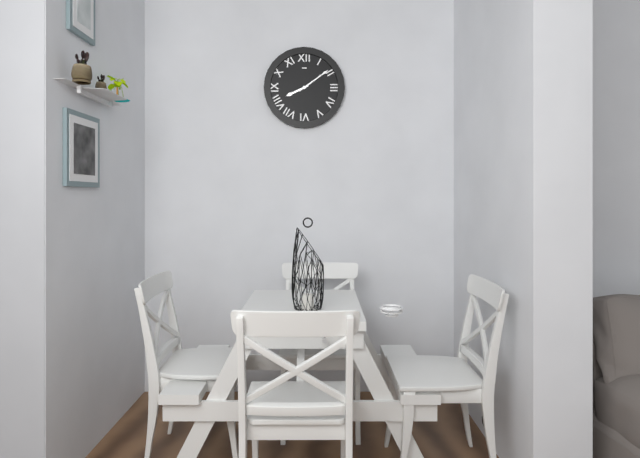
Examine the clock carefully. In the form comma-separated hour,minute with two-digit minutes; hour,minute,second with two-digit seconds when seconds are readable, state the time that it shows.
8,09
